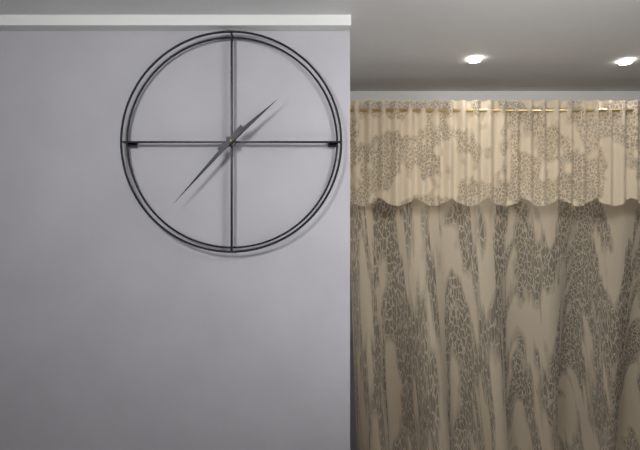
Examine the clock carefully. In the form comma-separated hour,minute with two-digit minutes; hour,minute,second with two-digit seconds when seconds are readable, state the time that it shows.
1,37
